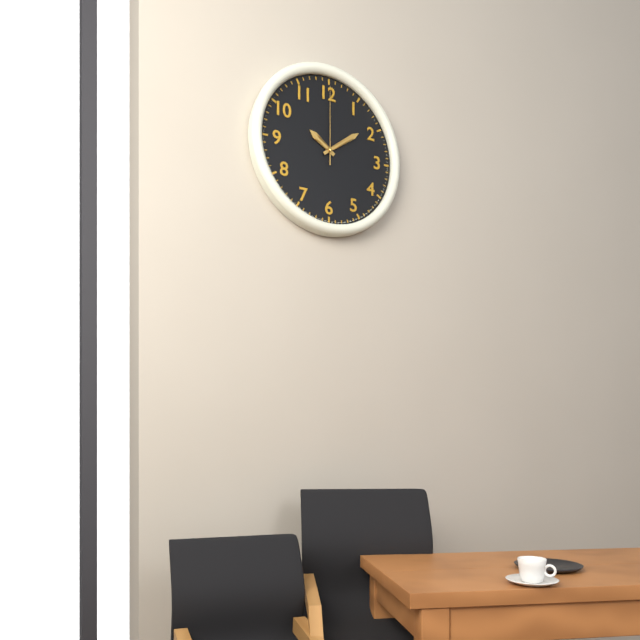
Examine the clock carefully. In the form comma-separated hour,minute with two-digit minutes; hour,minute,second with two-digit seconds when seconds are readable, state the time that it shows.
10,09,00
